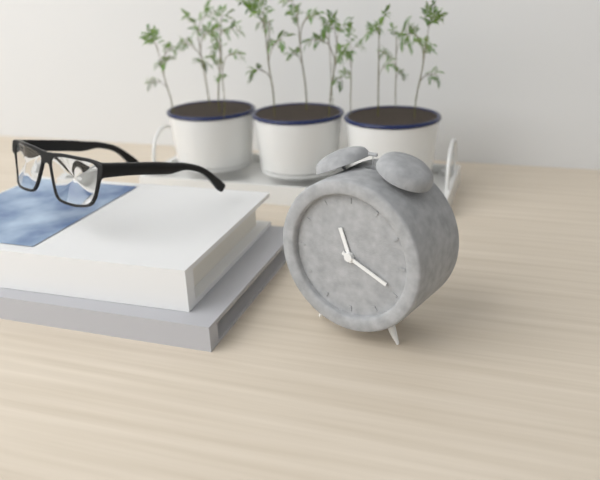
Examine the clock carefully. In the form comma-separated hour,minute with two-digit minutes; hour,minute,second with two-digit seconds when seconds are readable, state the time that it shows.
11,19
